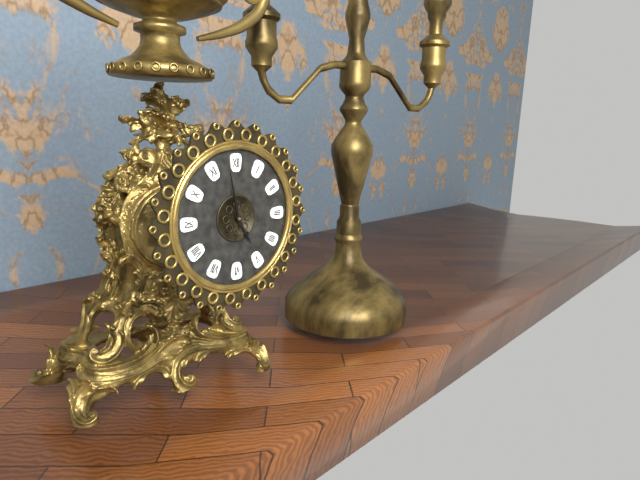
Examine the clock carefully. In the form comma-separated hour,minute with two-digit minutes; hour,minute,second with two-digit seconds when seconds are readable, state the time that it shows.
4,58
